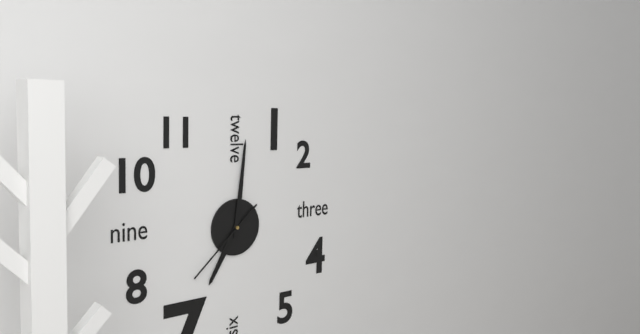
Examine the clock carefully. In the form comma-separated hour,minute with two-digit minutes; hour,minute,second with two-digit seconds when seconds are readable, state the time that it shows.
7,01,38
